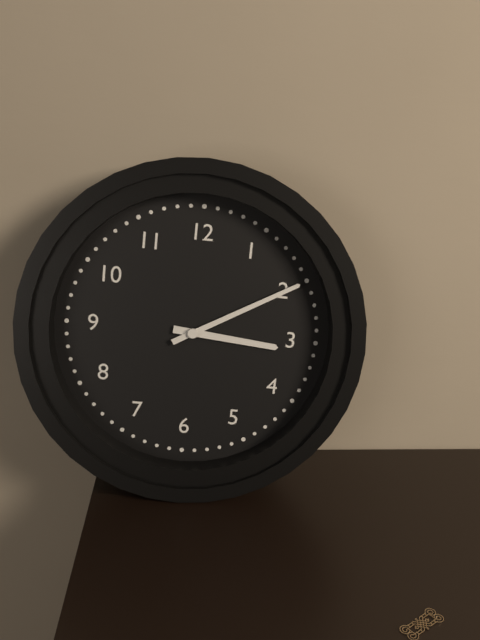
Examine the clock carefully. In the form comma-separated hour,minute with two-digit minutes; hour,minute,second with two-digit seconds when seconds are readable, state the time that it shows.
3,10
